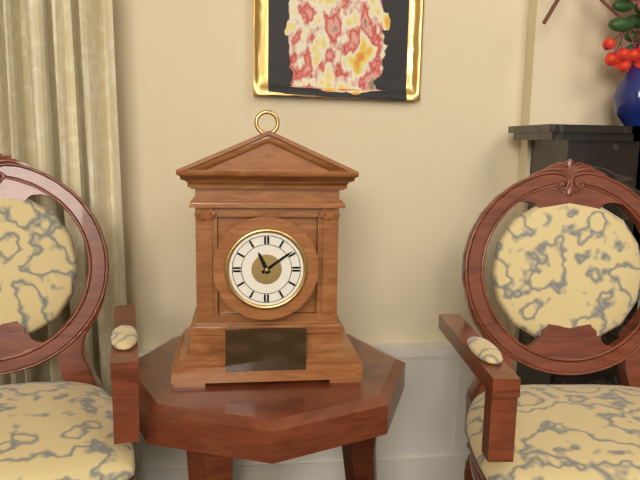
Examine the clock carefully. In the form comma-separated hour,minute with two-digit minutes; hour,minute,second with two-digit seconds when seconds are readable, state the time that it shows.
11,09
